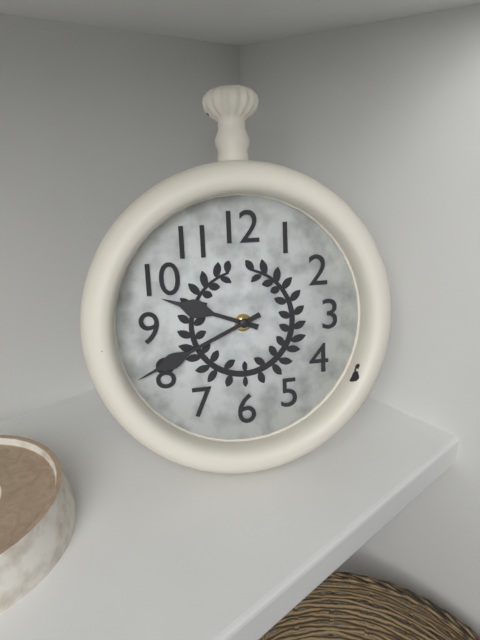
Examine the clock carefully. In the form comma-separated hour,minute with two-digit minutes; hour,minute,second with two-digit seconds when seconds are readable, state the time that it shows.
9,41
